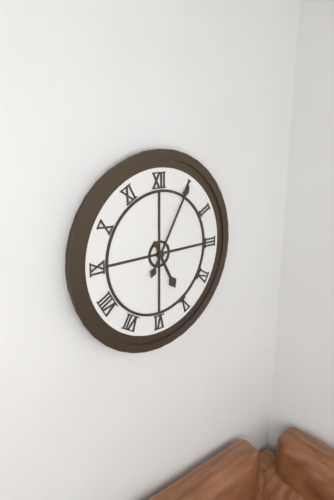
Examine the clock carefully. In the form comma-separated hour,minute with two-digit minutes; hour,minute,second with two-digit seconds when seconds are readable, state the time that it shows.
5,05
